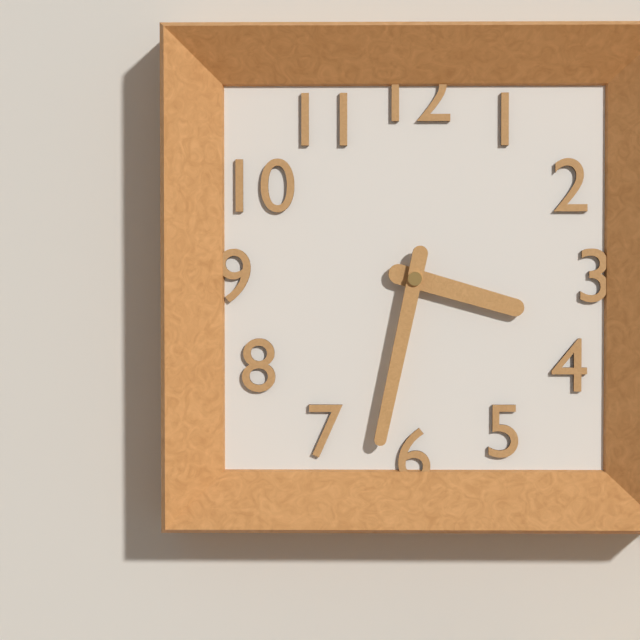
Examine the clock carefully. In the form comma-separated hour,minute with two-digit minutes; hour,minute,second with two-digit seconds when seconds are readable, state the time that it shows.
3,32
